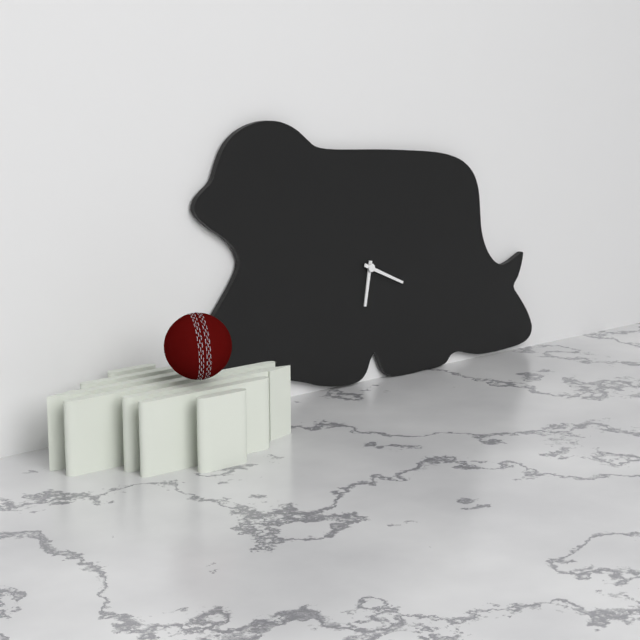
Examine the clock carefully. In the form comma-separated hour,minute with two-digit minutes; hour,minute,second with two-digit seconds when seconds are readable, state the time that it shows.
6,19
